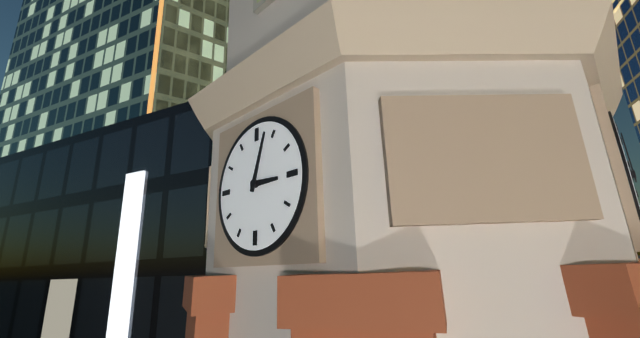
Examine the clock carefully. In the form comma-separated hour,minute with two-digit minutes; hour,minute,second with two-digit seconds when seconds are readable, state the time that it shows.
3,03
